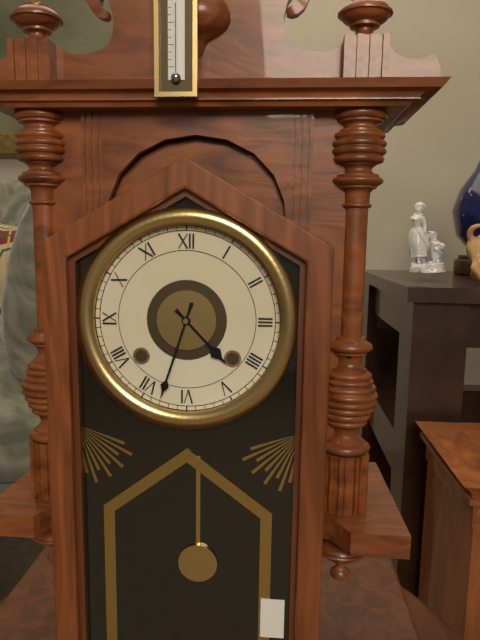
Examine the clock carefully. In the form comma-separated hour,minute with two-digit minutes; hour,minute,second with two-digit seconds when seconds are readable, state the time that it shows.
4,33
